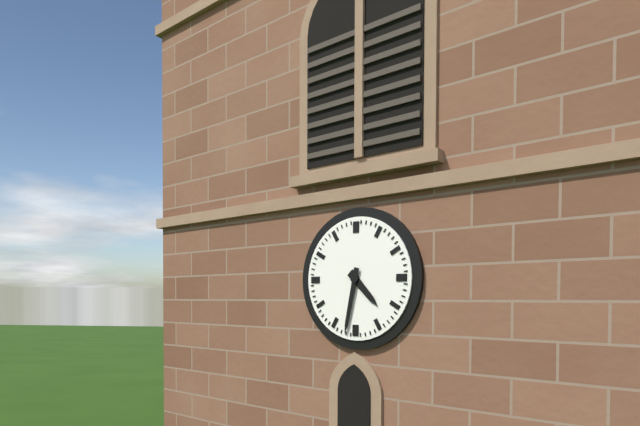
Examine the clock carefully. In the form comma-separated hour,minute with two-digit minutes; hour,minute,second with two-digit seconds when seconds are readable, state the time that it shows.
4,32
